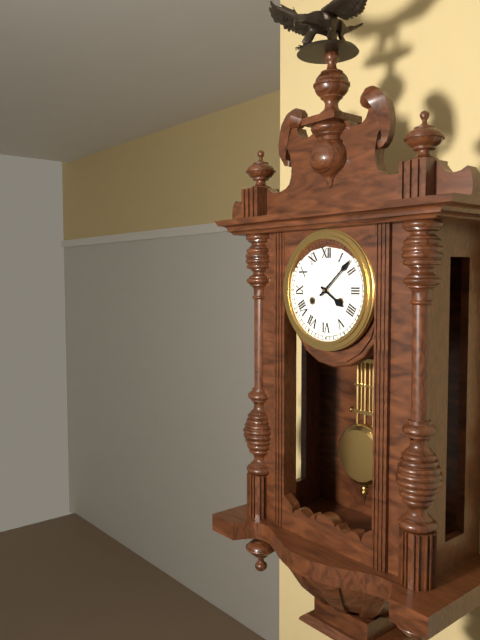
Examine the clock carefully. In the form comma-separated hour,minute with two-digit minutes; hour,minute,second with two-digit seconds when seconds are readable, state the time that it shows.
4,08
